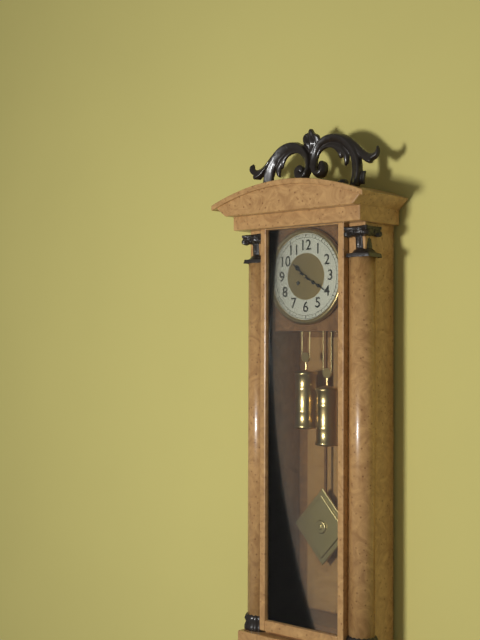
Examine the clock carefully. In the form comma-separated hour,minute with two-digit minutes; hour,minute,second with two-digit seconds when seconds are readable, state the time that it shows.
10,20
